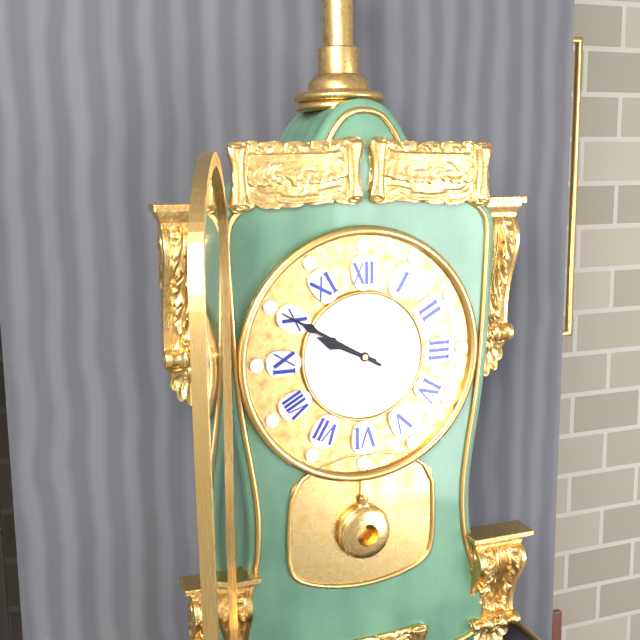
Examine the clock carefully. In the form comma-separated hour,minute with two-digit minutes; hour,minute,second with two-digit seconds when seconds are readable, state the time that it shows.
9,50
